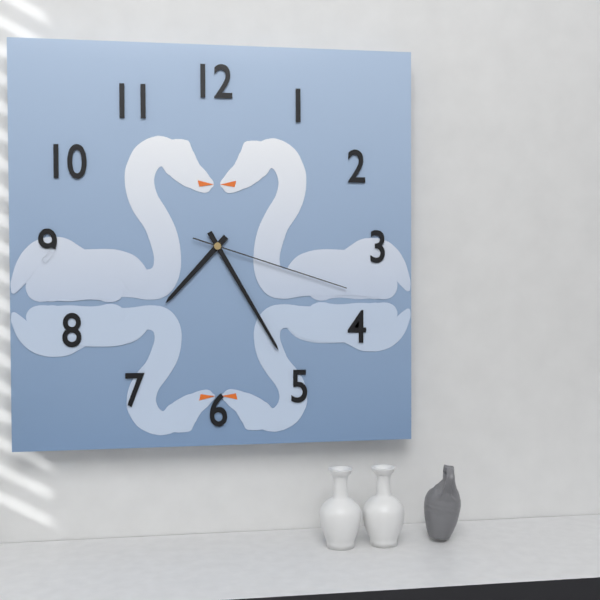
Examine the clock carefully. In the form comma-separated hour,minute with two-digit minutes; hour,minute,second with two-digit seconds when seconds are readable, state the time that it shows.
7,25,18
